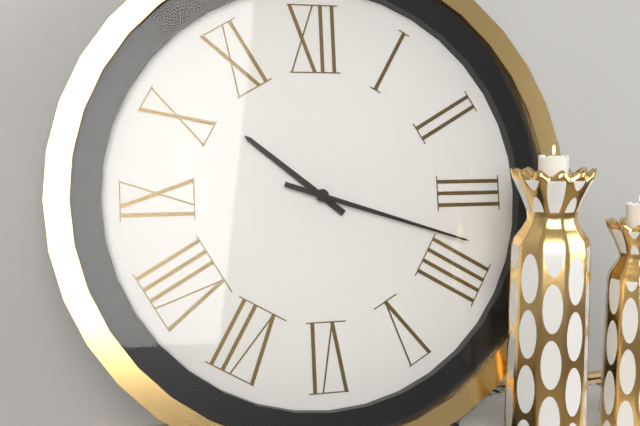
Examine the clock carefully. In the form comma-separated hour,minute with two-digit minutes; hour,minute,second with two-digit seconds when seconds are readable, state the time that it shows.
10,18
